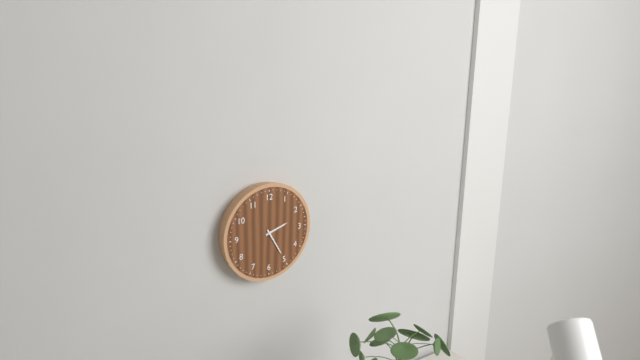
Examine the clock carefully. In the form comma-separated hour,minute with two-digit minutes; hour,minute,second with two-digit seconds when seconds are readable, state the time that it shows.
2,25
